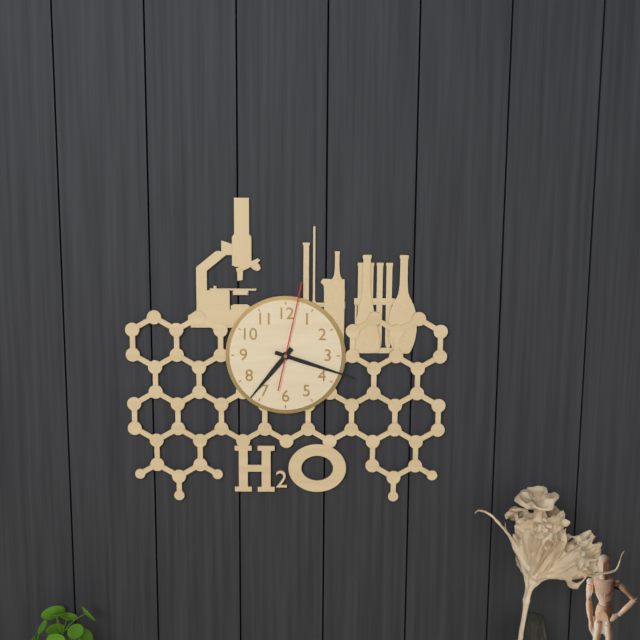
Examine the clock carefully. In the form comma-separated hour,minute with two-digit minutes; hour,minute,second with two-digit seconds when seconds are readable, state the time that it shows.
7,18,02
